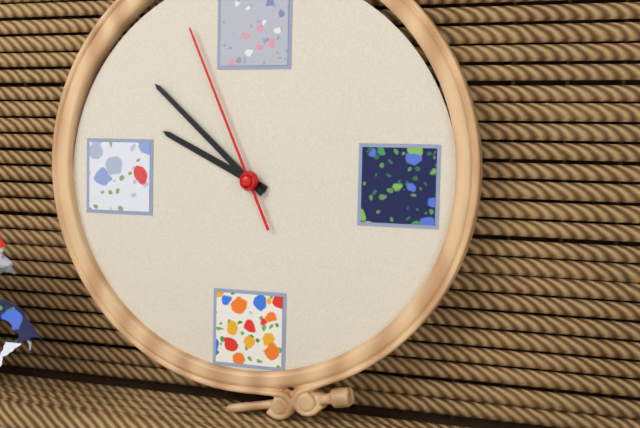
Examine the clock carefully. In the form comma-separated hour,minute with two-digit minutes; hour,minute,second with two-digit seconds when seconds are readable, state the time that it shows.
9,52,56
